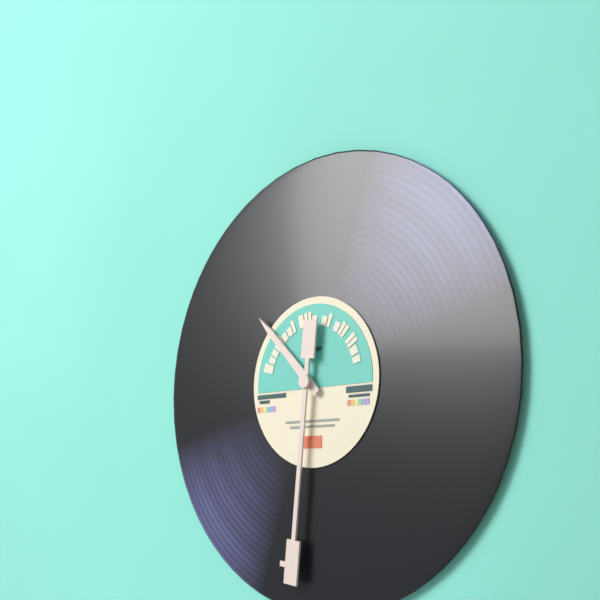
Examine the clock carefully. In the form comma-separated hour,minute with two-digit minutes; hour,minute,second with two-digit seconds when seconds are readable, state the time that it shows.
10,31
